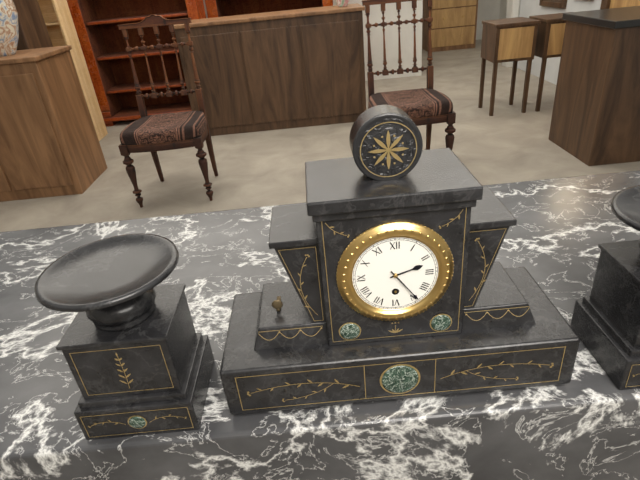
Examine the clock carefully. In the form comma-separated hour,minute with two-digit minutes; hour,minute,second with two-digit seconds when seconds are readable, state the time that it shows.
2,24
